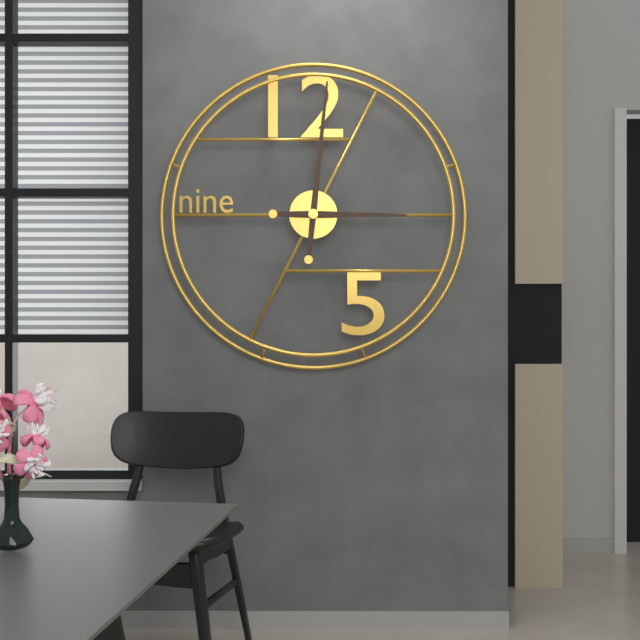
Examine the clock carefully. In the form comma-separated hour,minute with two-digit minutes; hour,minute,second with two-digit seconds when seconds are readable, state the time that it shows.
3,01
